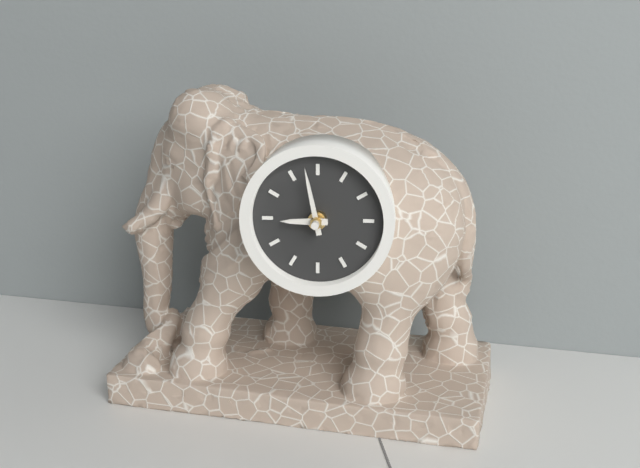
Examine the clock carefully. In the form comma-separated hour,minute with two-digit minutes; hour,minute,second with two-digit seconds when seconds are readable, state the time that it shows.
8,58
